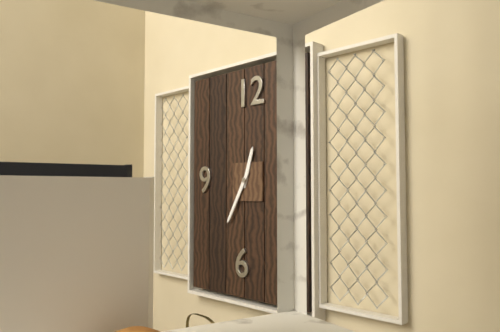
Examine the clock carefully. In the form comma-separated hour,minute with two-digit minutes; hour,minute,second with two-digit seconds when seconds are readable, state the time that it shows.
12,35
